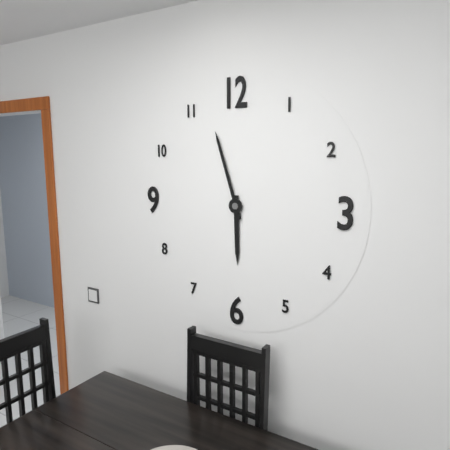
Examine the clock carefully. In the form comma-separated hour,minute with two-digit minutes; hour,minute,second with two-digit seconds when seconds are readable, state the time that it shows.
5,57
